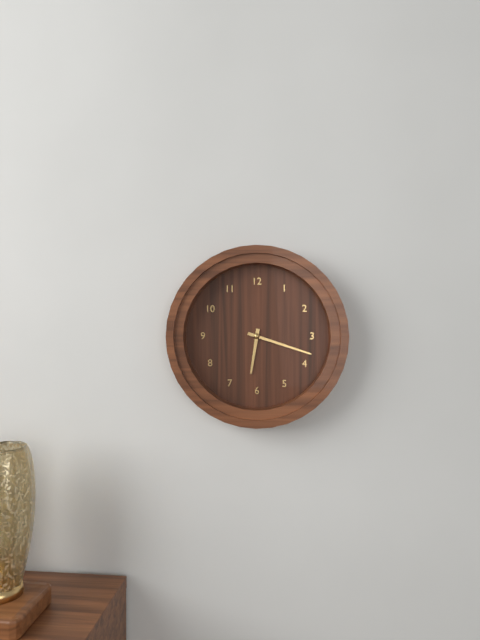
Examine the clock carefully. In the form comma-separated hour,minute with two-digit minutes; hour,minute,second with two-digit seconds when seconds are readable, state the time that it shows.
6,18
